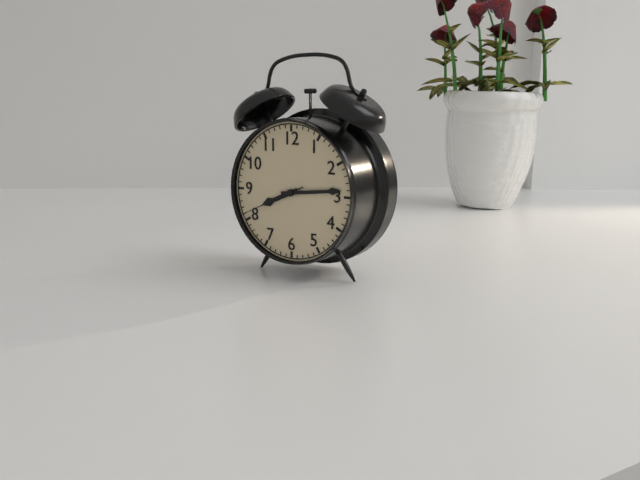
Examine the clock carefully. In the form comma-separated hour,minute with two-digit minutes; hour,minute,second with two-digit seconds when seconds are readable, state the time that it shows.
8,14,41
